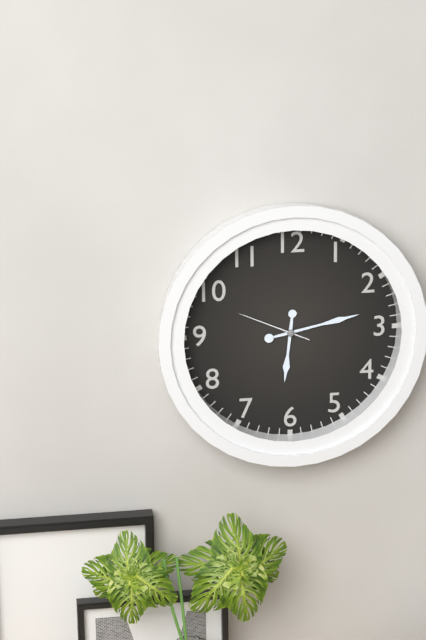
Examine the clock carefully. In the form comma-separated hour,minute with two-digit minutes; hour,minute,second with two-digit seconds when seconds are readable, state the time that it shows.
6,13,49
